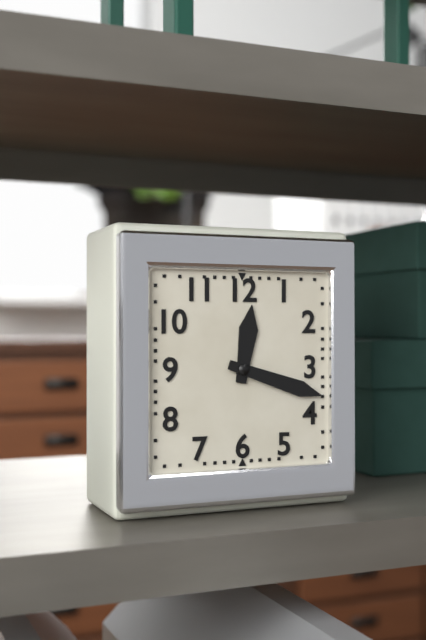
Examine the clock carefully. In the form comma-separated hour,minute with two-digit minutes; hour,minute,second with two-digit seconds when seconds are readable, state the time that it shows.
12,18
